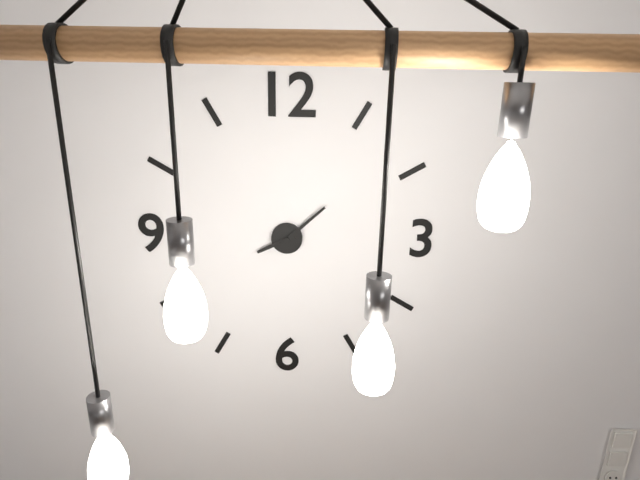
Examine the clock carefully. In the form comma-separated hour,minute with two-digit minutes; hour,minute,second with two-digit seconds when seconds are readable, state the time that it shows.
8,08
